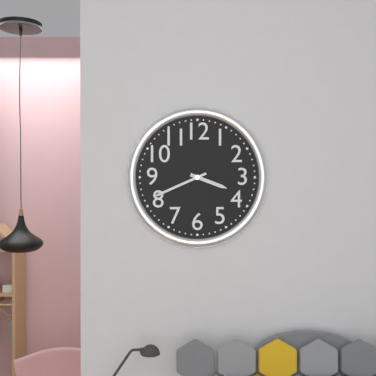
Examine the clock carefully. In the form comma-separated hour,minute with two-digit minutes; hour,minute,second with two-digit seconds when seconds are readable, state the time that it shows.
3,41
